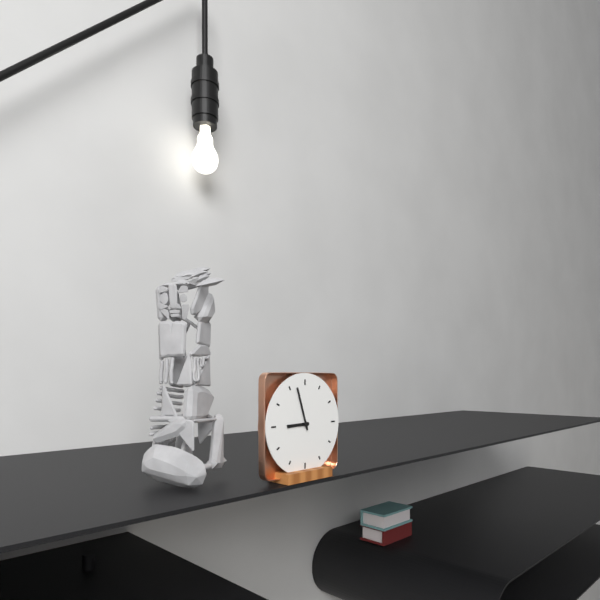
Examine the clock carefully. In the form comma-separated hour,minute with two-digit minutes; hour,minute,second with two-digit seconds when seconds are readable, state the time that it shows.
8,57
